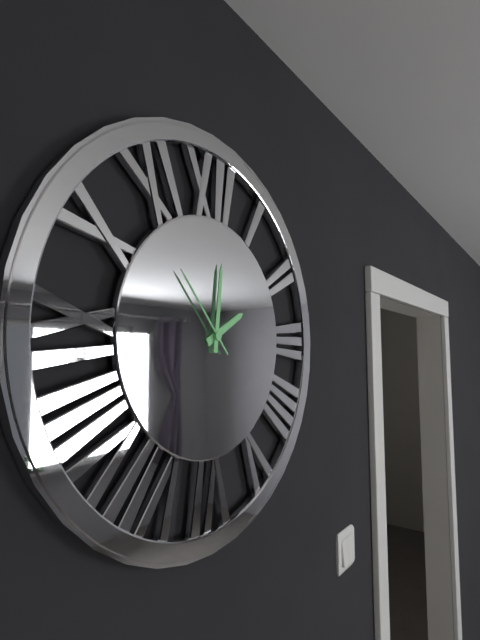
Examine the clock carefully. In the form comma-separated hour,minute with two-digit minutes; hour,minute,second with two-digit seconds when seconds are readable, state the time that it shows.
2,01,53
